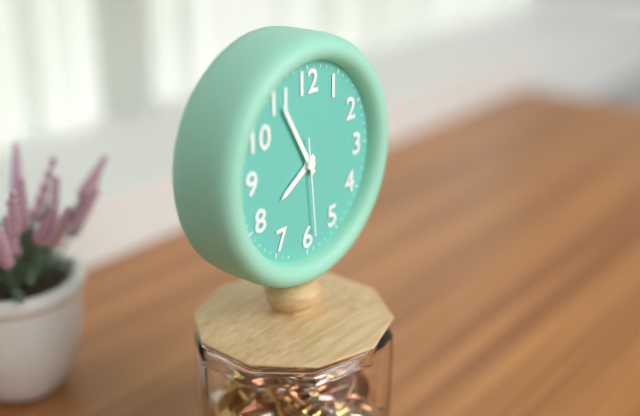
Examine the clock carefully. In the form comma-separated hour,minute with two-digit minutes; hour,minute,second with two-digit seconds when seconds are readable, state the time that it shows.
7,55,29
